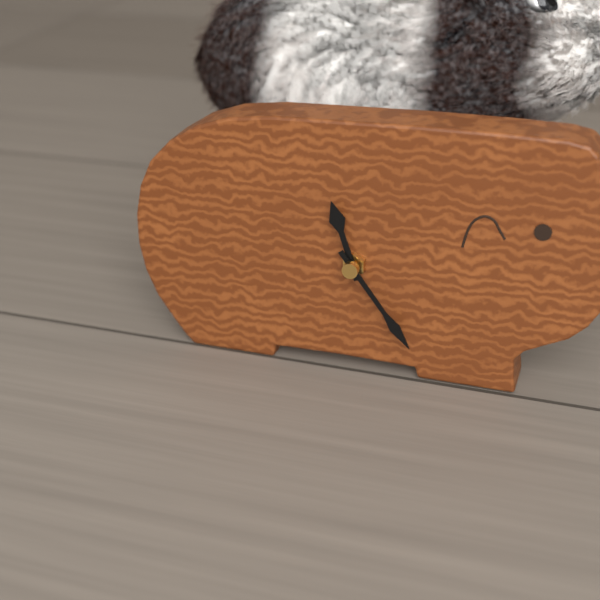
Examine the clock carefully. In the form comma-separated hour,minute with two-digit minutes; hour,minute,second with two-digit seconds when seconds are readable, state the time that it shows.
11,24
